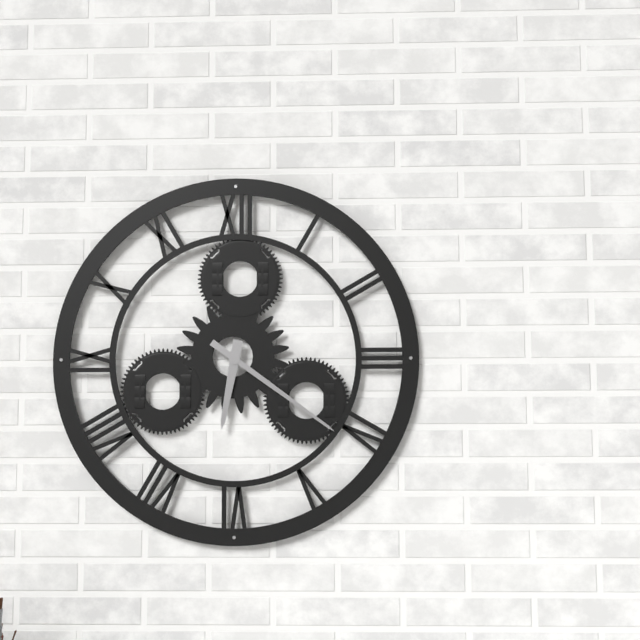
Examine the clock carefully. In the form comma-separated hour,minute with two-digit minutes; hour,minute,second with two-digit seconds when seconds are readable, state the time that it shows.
6,21
